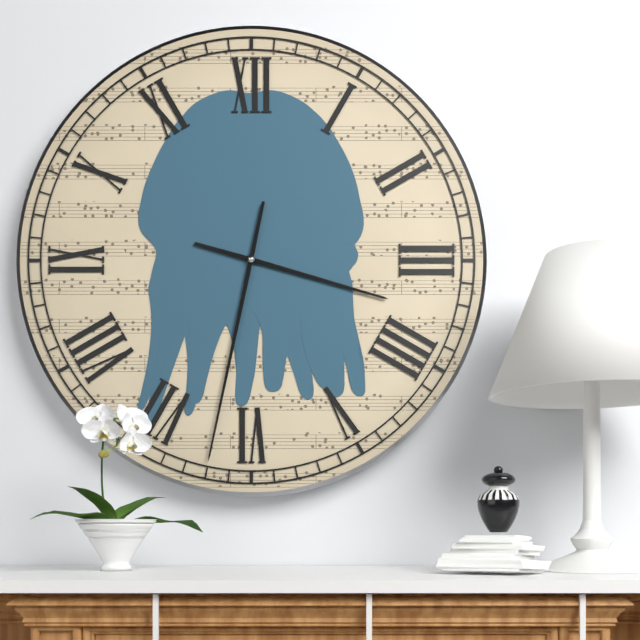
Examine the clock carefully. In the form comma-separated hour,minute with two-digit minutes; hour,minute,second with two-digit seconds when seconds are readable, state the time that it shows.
3,32
